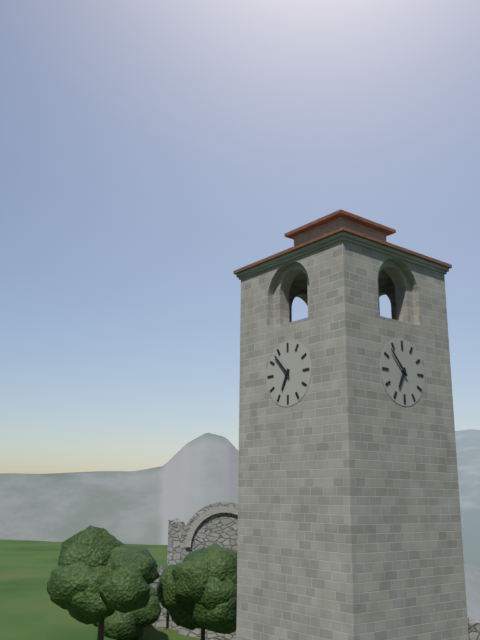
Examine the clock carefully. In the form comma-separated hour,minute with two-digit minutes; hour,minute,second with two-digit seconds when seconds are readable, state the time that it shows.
6,53
